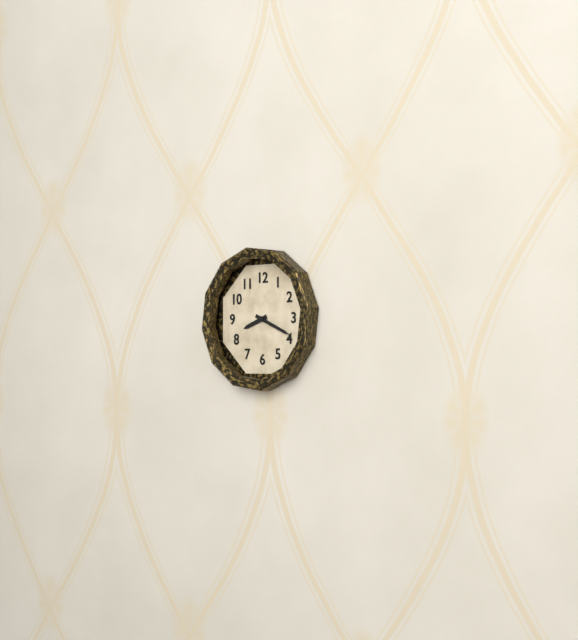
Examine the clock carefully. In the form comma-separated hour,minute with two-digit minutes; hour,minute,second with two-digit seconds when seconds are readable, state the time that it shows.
8,19
